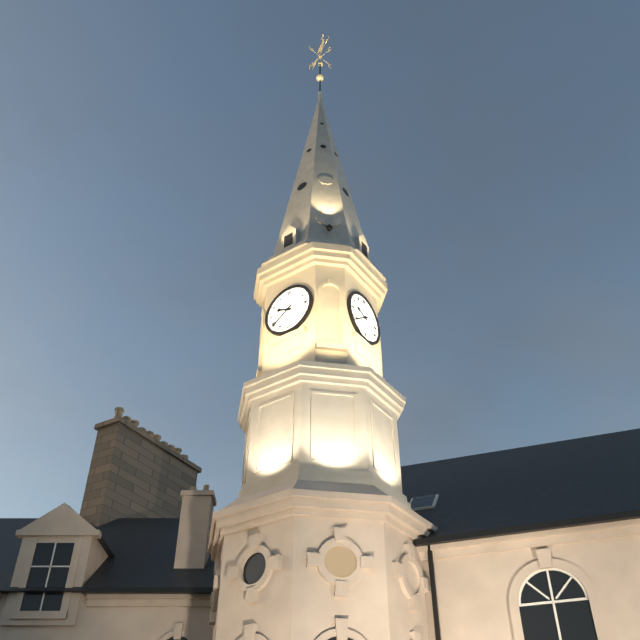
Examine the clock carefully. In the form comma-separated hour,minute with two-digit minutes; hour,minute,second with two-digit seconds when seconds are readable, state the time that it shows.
9,39
